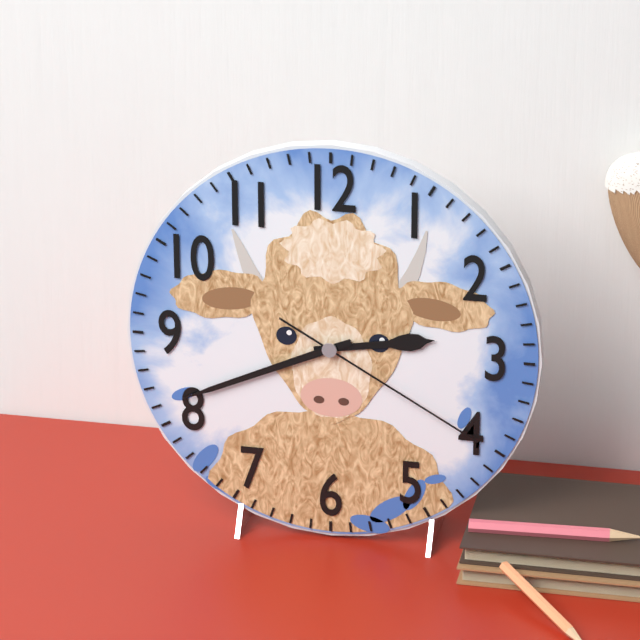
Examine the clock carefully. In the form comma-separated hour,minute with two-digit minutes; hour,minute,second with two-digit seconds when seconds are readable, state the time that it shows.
2,41,20
